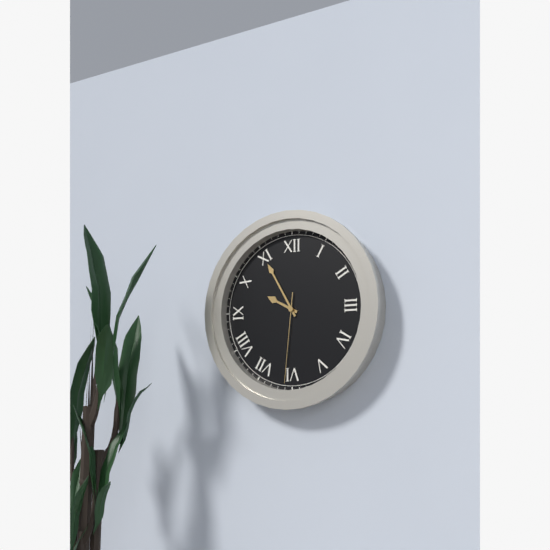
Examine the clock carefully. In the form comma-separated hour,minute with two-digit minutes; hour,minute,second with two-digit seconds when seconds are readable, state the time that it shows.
9,55,31
